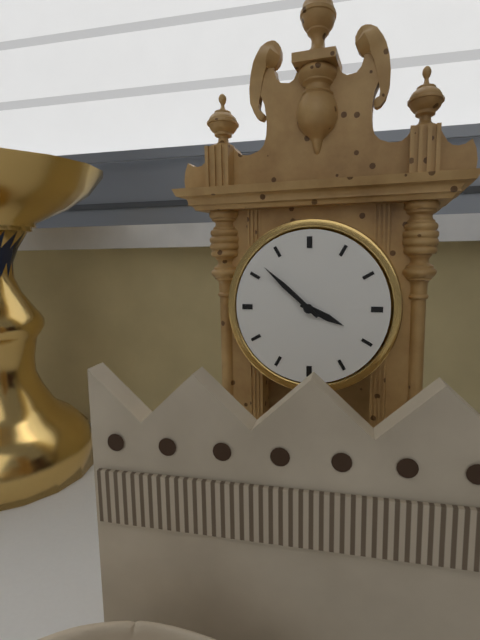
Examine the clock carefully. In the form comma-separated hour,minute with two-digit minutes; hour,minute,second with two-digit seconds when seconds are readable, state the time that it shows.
3,52
